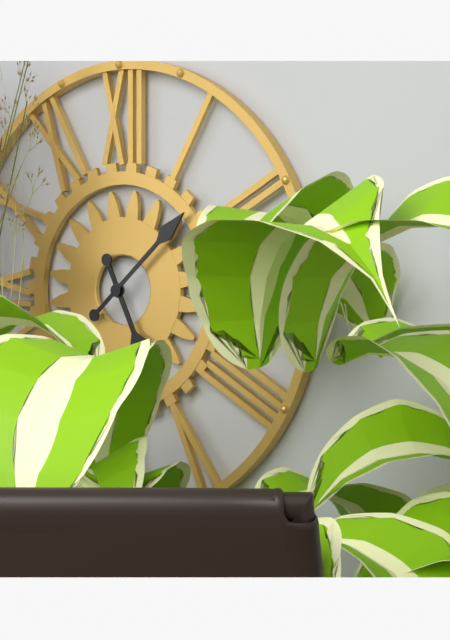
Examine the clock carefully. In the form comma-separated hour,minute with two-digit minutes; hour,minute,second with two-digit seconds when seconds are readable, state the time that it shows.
5,08
